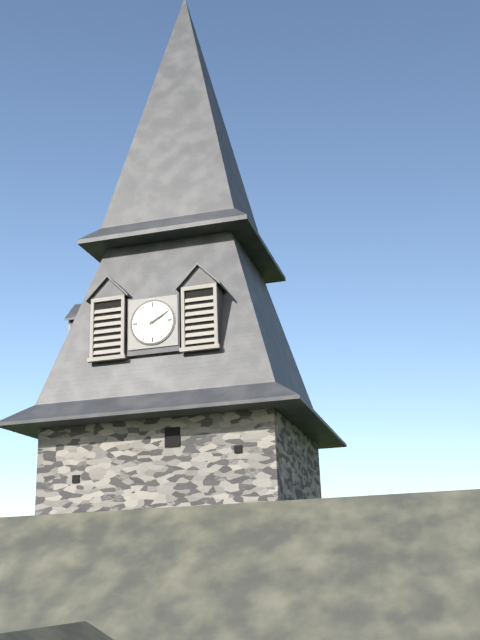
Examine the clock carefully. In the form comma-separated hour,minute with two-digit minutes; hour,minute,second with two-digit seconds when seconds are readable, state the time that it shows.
2,10
